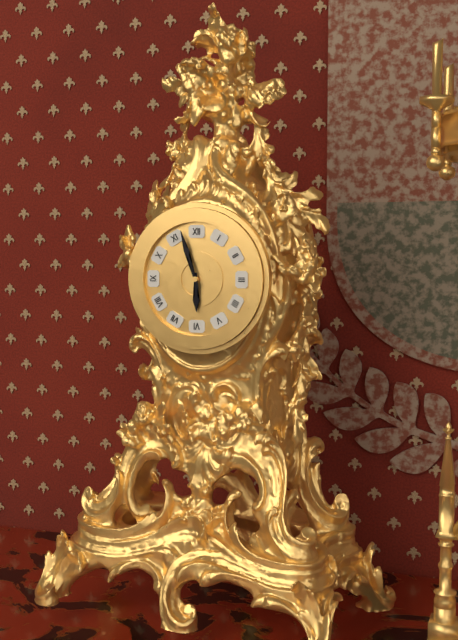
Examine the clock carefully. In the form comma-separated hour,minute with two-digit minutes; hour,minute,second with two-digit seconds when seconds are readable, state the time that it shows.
5,57
